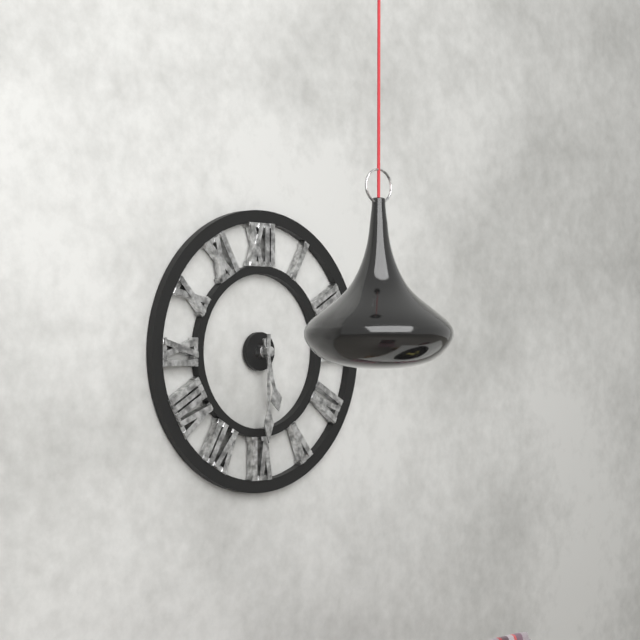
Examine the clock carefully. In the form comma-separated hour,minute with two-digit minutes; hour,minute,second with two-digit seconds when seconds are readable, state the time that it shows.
5,30
